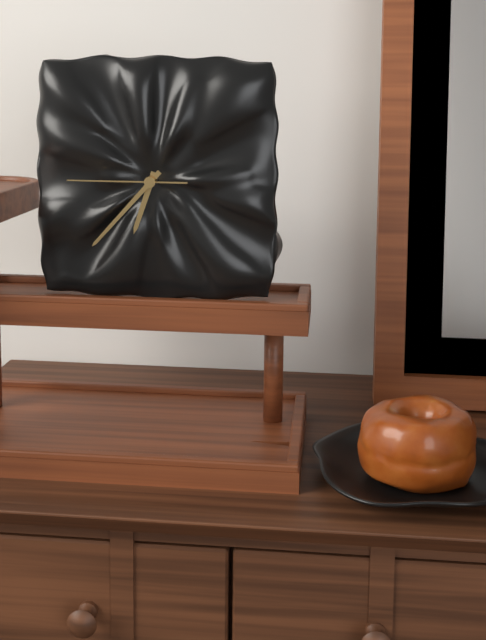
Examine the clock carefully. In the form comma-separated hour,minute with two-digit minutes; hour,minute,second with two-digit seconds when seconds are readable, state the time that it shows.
6,37,45
